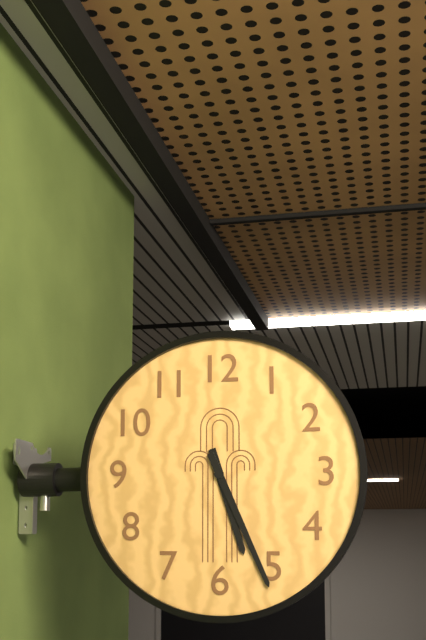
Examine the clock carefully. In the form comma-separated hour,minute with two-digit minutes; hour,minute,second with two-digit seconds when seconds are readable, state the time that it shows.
5,26
